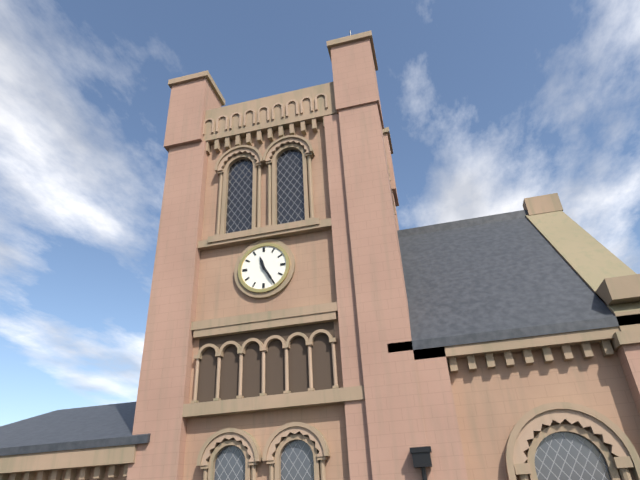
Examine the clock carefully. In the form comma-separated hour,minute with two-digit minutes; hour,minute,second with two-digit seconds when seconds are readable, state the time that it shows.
11,25
